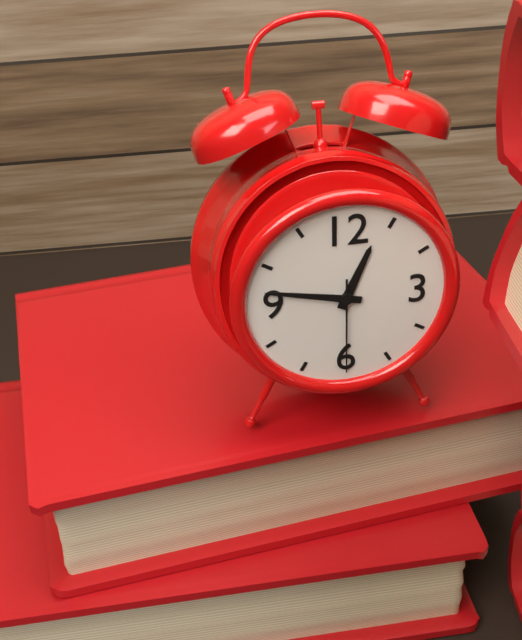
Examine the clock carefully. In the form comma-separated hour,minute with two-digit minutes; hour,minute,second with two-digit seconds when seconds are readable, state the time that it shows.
12,47,30
